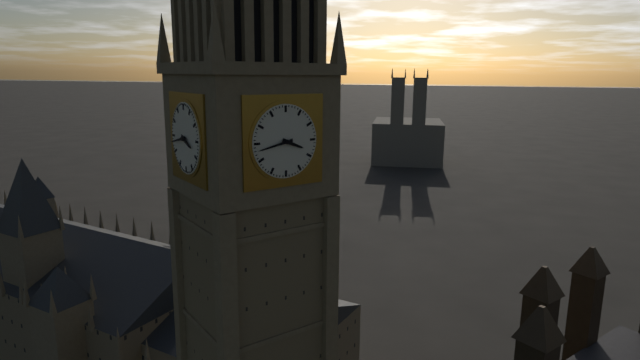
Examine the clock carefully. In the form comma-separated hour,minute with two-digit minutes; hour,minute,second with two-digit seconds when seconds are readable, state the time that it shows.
3,43
